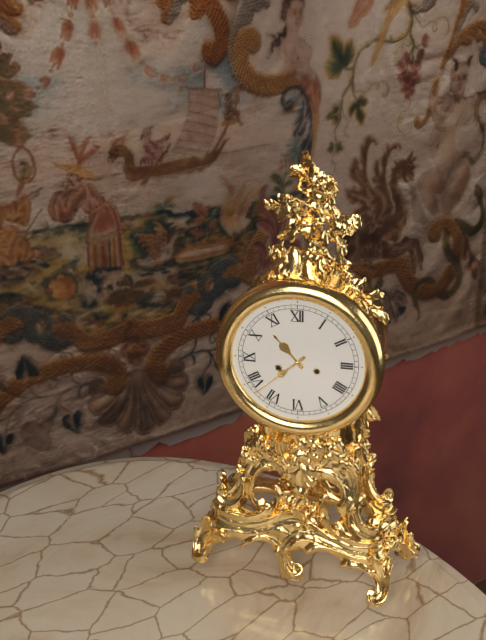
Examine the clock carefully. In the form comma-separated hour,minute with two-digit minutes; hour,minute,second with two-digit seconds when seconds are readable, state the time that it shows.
10,38
